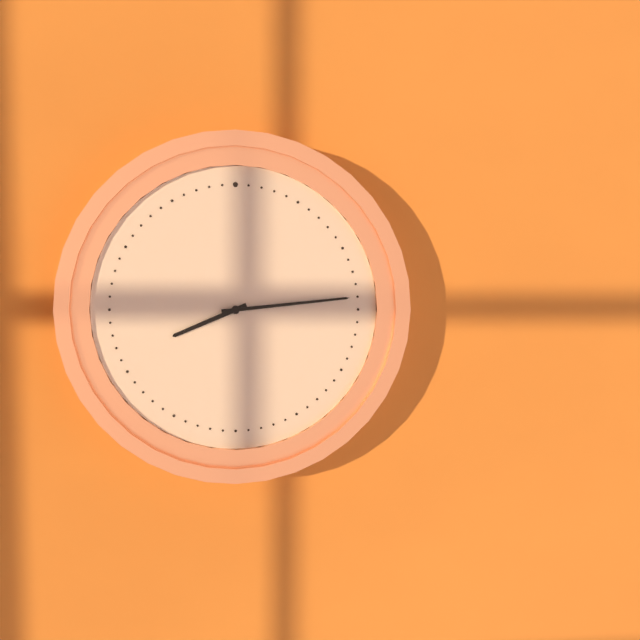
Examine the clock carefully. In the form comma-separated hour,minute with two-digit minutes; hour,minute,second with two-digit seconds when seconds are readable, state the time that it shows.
8,14
